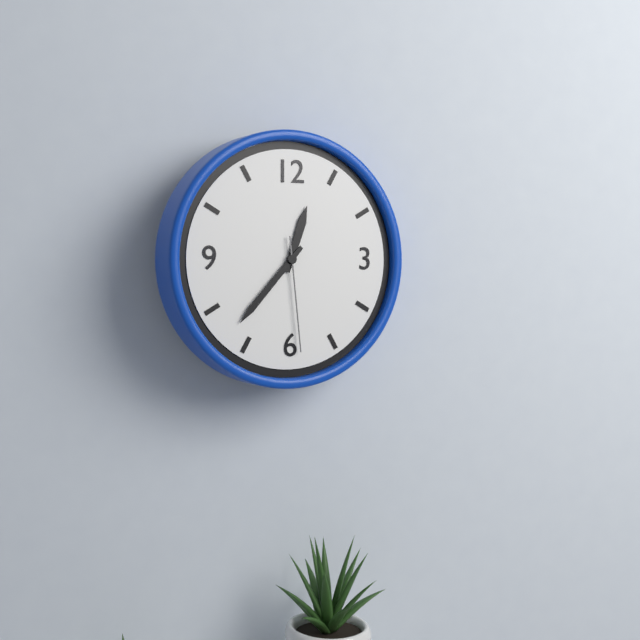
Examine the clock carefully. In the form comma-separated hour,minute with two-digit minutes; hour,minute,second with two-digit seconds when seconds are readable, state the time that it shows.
12,37,29
